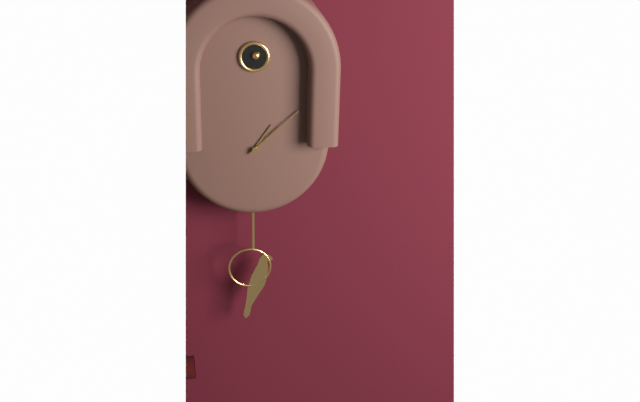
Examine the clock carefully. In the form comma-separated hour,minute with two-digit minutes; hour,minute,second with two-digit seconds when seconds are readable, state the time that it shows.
1,08
